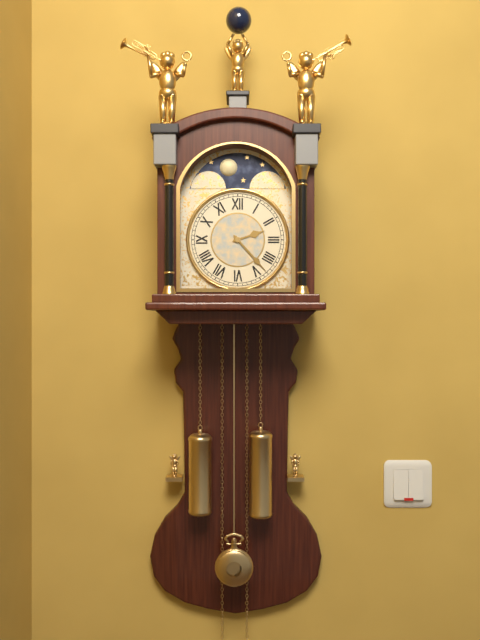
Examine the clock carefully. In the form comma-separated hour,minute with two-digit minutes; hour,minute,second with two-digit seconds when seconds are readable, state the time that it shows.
2,23
